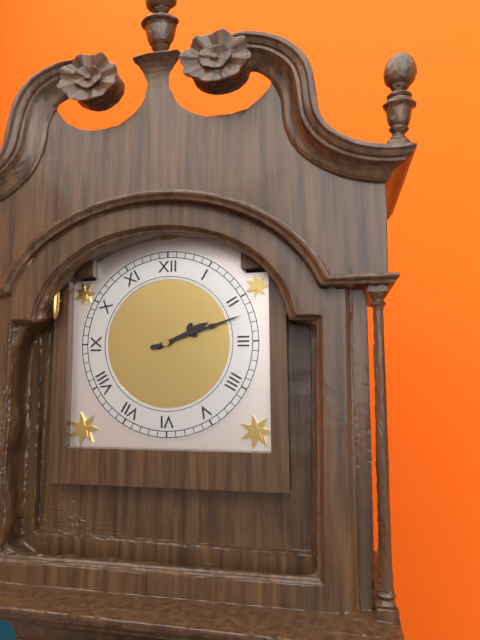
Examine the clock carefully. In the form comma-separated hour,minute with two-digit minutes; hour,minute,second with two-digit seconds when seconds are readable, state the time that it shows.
2,12
